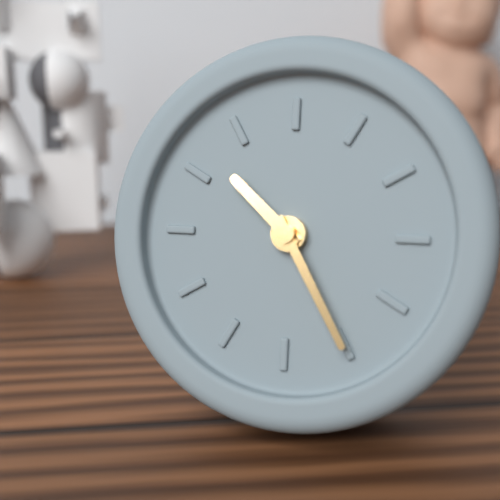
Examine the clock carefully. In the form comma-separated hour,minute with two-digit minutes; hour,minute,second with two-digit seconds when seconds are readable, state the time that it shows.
10,25
